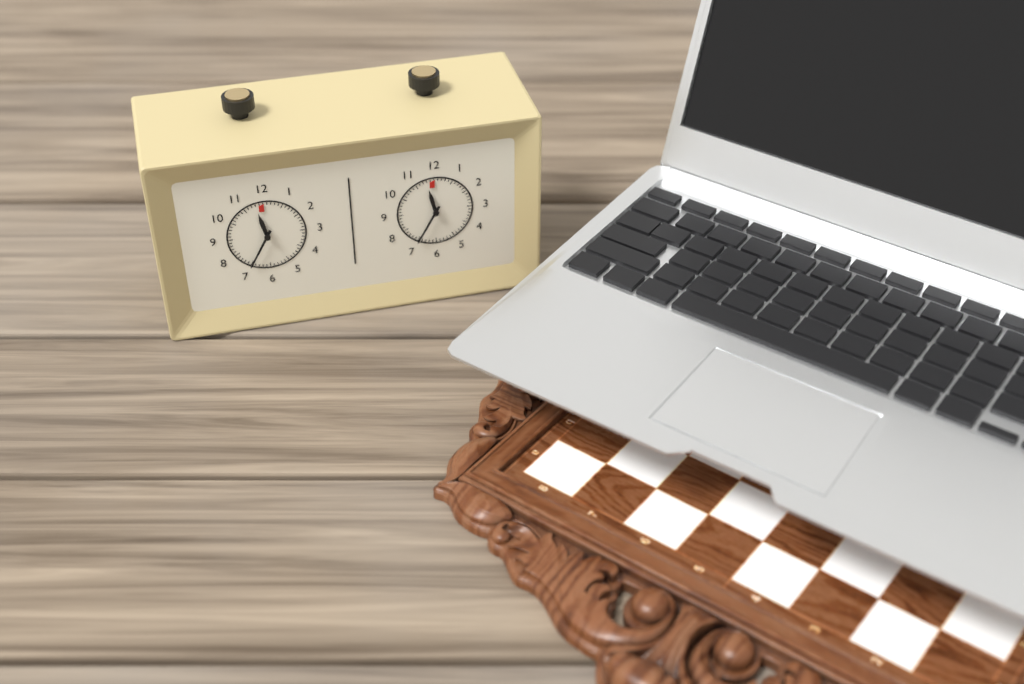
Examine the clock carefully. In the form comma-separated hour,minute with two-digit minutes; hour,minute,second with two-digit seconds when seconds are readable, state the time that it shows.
11,35
